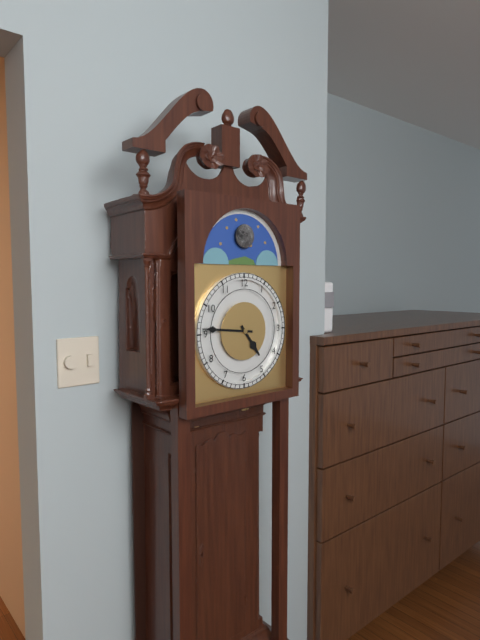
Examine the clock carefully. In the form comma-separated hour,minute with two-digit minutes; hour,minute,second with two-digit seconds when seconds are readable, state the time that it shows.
4,46
